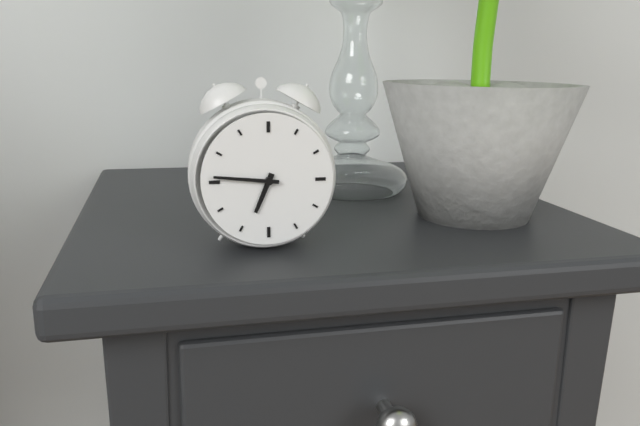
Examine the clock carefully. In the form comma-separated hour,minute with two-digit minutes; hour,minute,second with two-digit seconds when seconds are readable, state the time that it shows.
6,46
